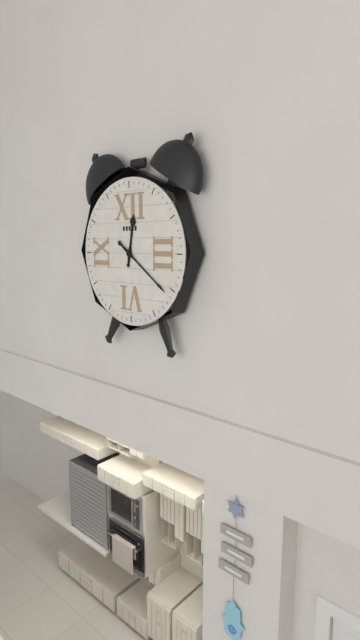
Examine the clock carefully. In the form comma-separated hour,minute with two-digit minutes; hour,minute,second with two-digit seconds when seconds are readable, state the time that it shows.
12,21
